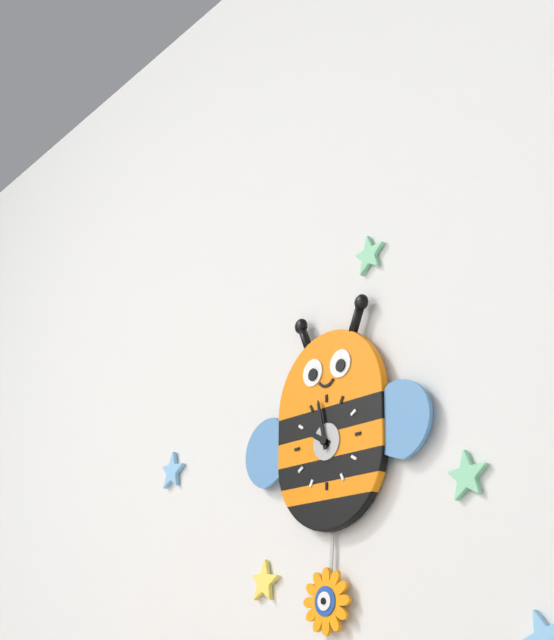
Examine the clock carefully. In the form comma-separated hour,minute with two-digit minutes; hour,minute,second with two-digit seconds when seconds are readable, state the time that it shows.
9,58
